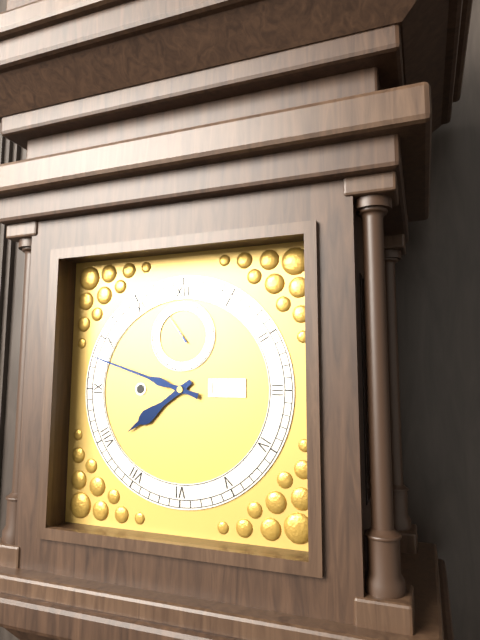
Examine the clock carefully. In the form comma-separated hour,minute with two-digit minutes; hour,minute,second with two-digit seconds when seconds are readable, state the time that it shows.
7,48
